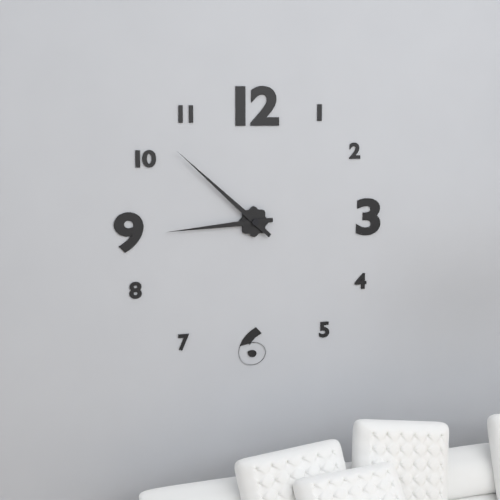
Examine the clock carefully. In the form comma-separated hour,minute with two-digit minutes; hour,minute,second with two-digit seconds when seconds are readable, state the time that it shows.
8,52
